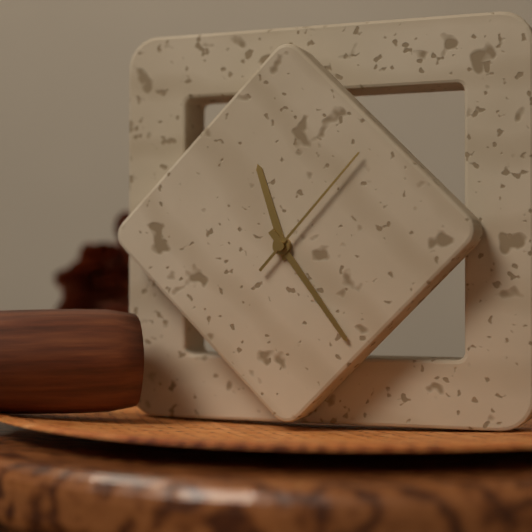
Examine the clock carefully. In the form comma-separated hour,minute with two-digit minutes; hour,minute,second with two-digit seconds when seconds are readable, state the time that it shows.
11,24,07
